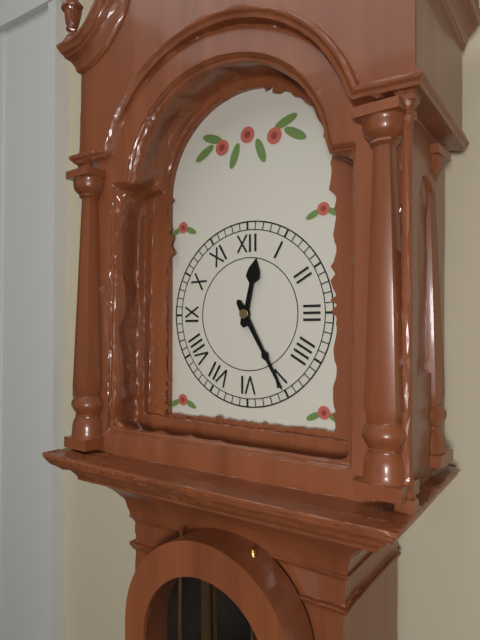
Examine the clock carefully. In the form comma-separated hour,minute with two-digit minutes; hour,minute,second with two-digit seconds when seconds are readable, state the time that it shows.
12,25
